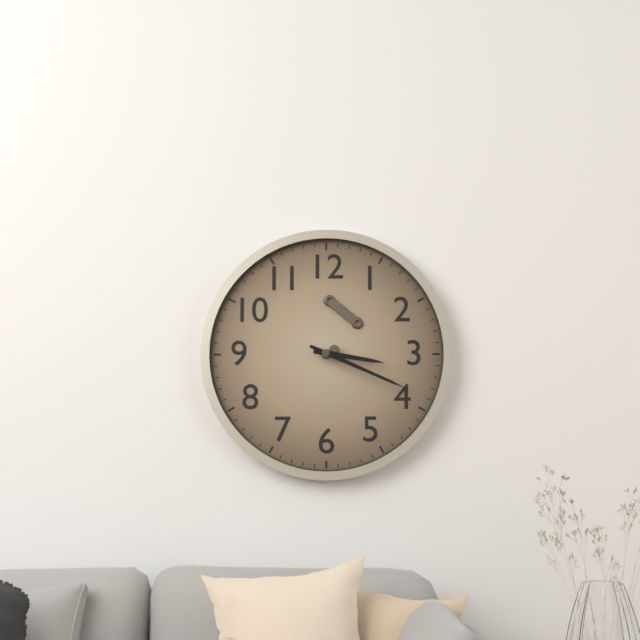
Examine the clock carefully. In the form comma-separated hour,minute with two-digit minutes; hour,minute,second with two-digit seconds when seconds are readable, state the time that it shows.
3,19
